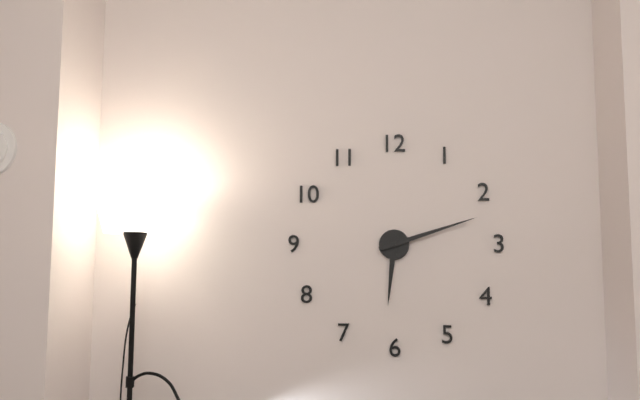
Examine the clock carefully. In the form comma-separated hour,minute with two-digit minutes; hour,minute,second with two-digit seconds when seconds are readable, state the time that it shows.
6,12
